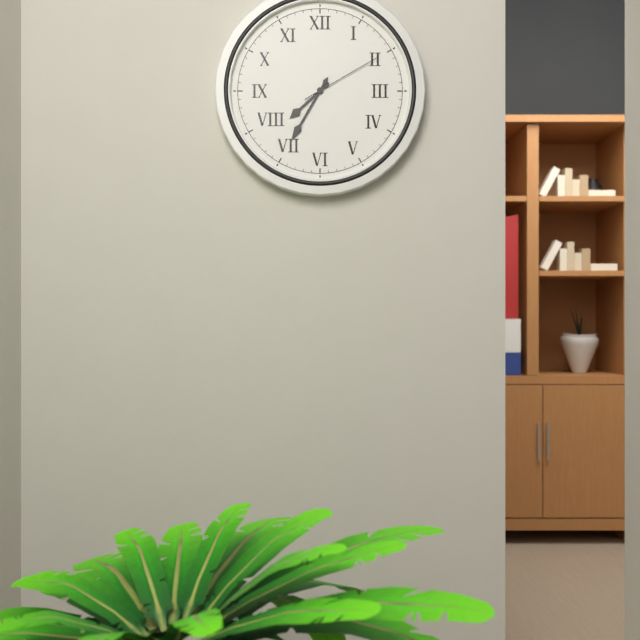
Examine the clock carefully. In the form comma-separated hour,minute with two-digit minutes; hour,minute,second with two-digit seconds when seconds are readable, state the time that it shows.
7,35,10
